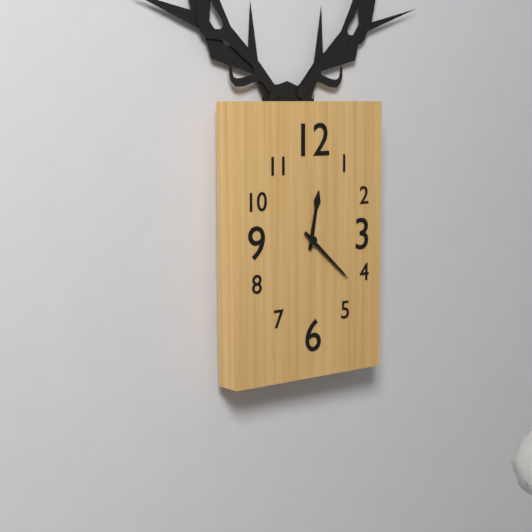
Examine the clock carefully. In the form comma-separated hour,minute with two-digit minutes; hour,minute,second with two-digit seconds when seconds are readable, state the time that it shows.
12,22
